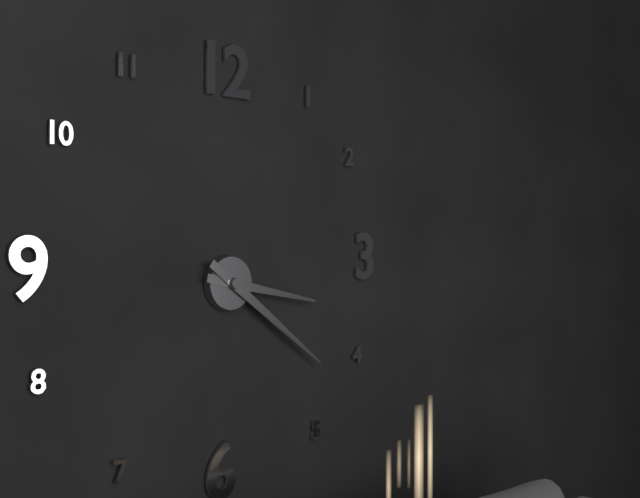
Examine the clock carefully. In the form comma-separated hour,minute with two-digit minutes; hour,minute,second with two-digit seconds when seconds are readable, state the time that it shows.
3,21
